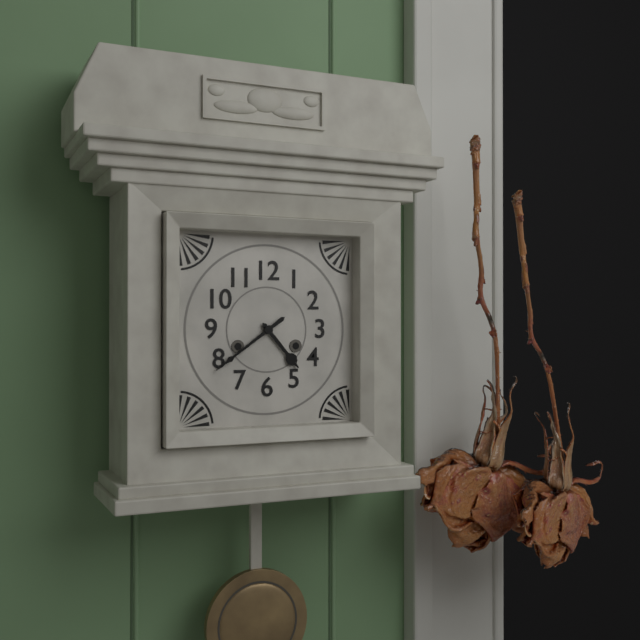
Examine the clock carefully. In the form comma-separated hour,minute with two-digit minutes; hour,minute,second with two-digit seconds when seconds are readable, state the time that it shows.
4,39
